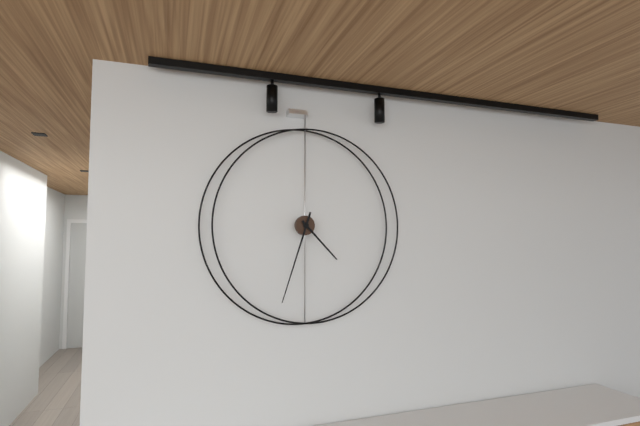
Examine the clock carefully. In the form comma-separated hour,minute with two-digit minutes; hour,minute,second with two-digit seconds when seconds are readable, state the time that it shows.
4,33
